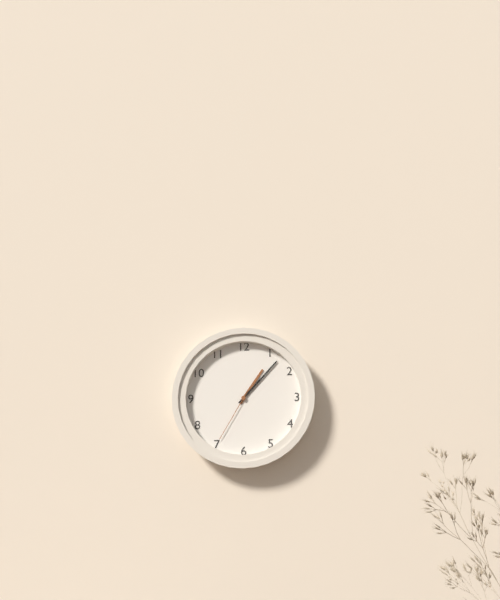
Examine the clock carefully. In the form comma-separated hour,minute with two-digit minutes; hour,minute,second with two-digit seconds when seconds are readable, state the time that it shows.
1,07,35
